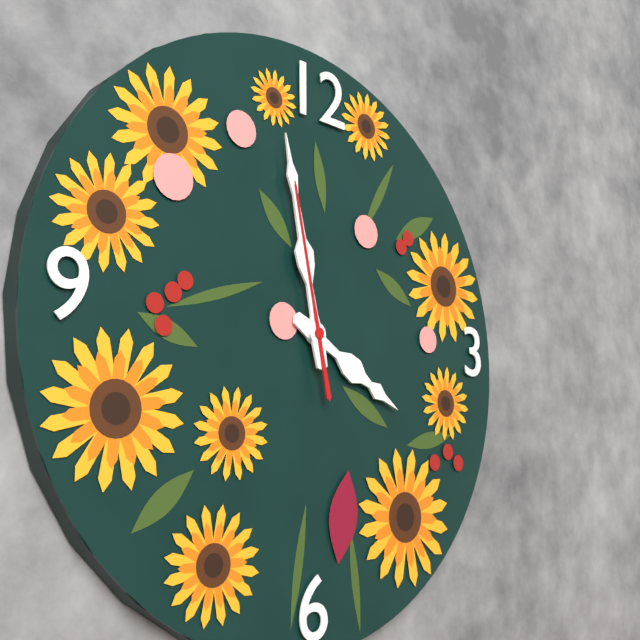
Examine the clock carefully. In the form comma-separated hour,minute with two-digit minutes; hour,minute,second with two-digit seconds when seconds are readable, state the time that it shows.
3,58,58
